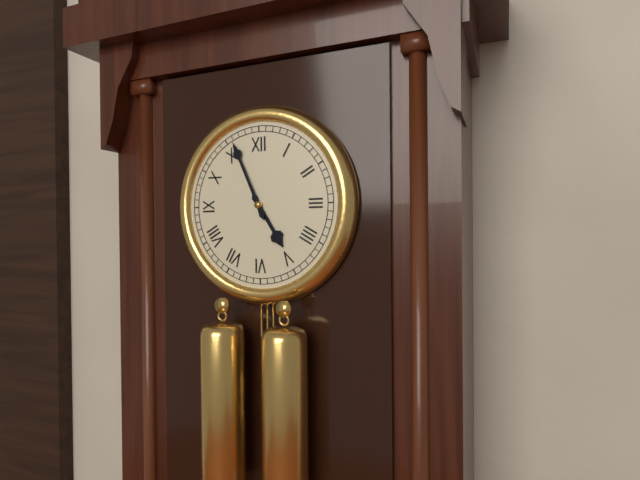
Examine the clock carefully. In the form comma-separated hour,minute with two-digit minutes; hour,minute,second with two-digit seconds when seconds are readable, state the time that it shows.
4,56
